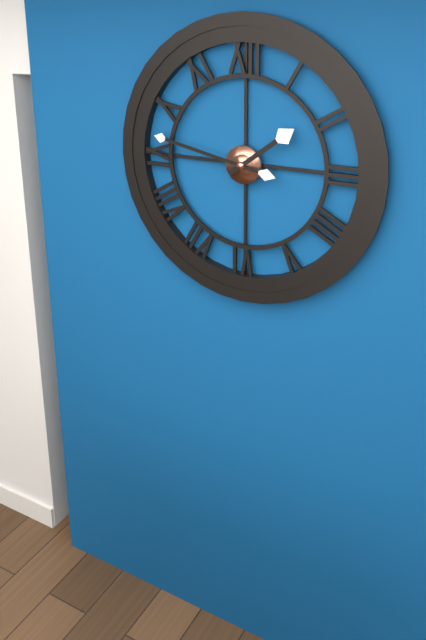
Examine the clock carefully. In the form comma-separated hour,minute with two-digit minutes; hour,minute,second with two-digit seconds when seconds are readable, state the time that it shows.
1,47
